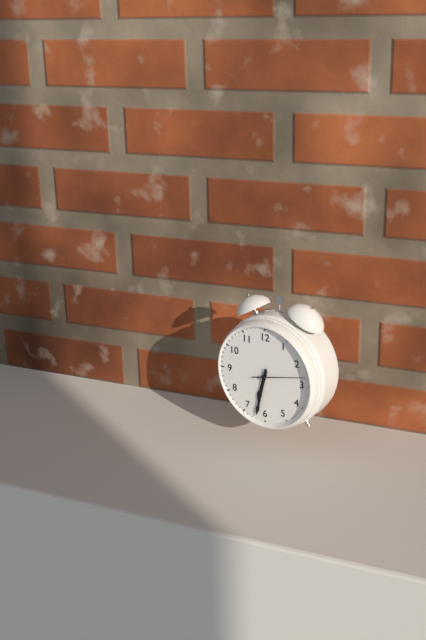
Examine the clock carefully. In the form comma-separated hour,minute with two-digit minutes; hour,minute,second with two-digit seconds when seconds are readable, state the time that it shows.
6,32,13
